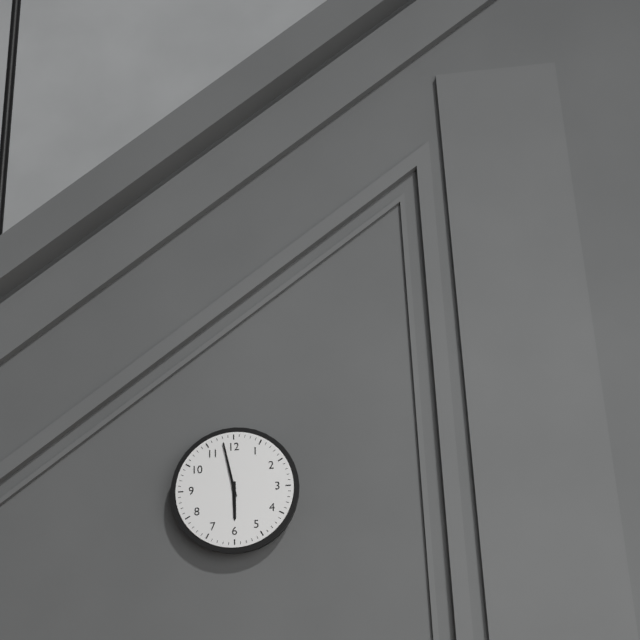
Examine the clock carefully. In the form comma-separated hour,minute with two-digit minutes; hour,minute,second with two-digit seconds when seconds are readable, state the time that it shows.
5,58
